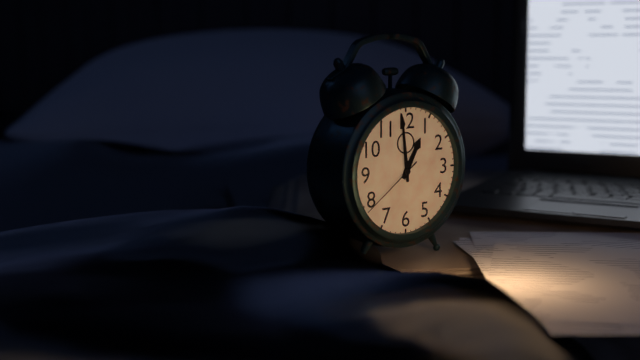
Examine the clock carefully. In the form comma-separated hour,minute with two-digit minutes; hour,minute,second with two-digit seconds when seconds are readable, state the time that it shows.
12,59,39
